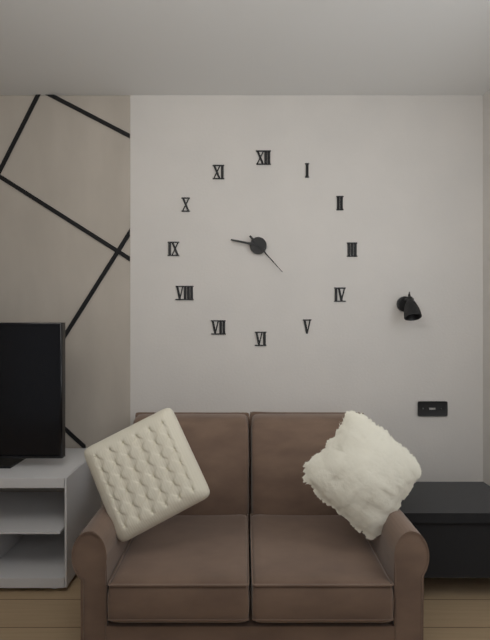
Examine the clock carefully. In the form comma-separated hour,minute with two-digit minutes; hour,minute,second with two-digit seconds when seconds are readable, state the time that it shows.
9,23
